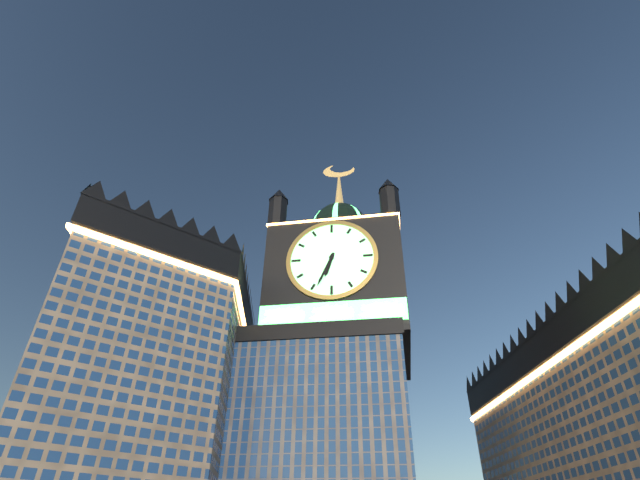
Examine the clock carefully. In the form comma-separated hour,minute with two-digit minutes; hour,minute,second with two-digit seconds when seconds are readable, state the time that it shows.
6,34
